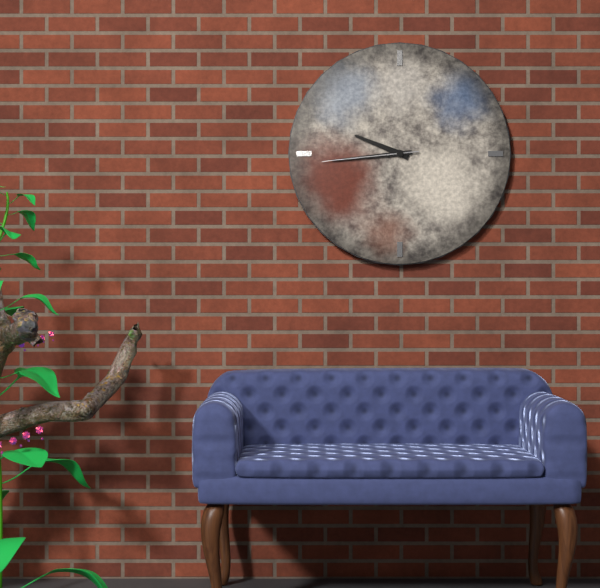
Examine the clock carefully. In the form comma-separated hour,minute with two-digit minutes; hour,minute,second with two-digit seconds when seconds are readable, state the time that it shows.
9,44,44
